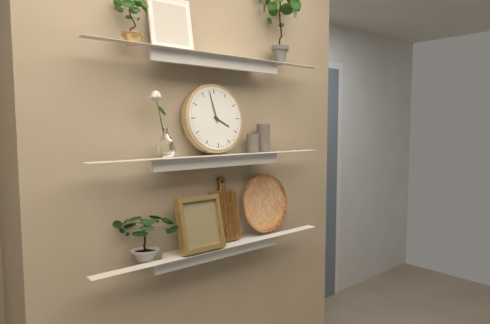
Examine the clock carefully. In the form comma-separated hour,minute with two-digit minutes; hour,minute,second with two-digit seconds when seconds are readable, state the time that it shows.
3,58
